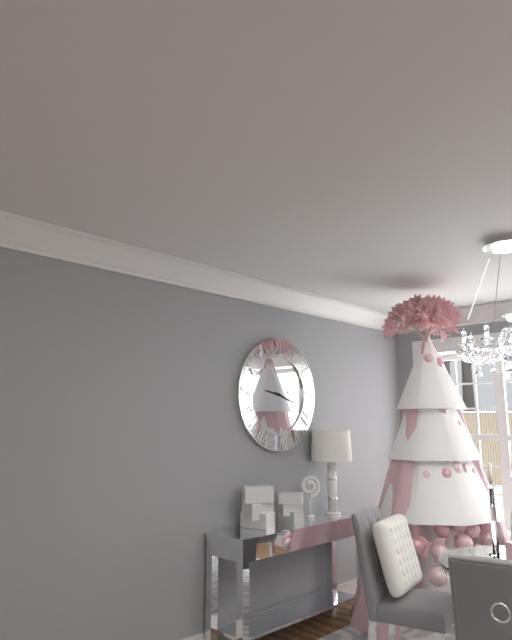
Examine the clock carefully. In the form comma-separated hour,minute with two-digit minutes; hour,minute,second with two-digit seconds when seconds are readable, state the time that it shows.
9,18
